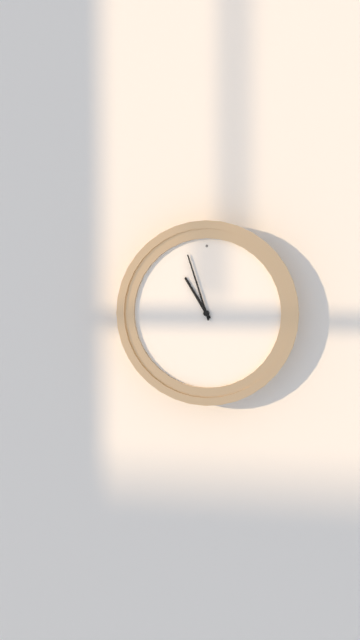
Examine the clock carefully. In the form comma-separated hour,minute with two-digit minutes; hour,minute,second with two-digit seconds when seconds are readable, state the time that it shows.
10,57
